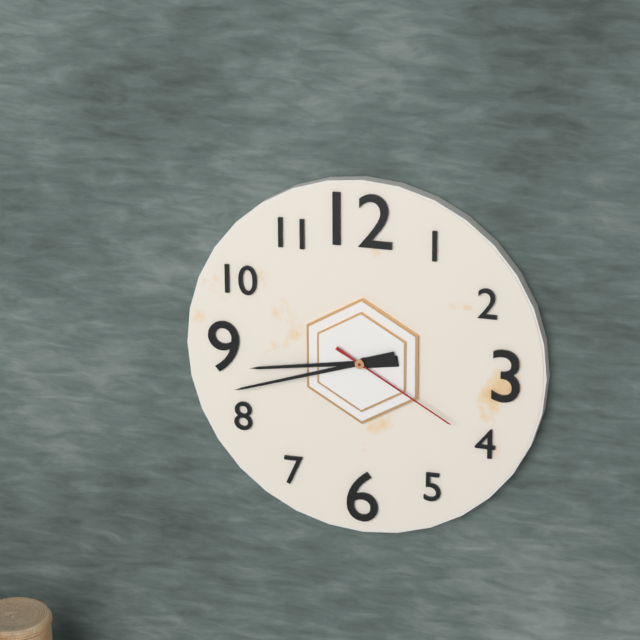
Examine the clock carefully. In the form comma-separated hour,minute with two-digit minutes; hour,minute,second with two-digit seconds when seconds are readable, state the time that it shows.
8,42,20
